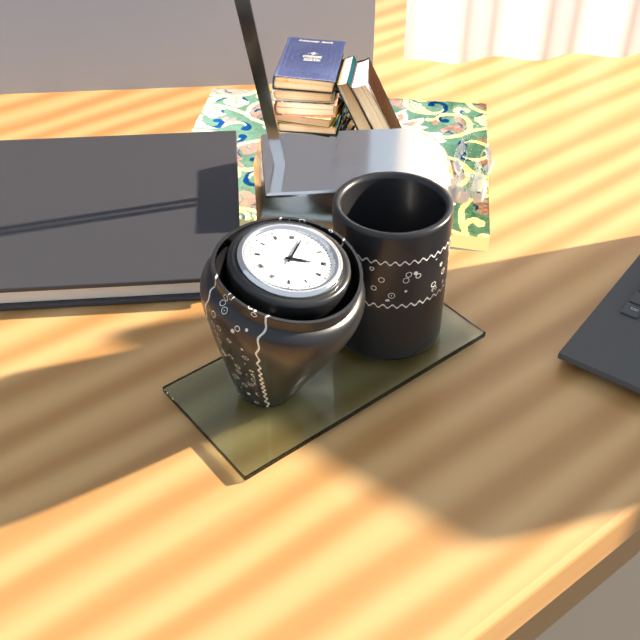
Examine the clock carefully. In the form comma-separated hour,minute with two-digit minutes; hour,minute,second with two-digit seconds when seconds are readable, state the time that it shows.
3,03
